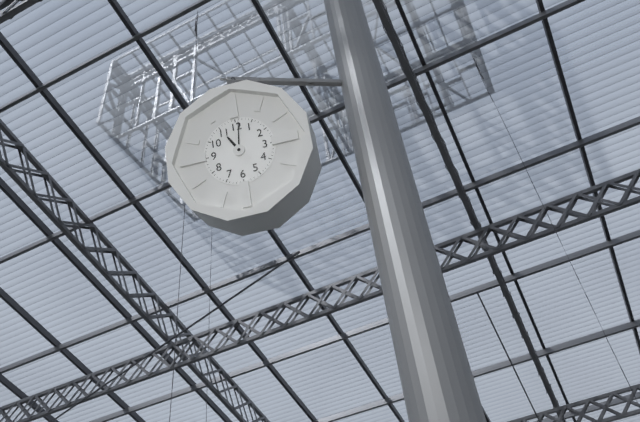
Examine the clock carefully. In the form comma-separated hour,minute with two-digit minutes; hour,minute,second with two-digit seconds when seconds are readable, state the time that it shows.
11,01
